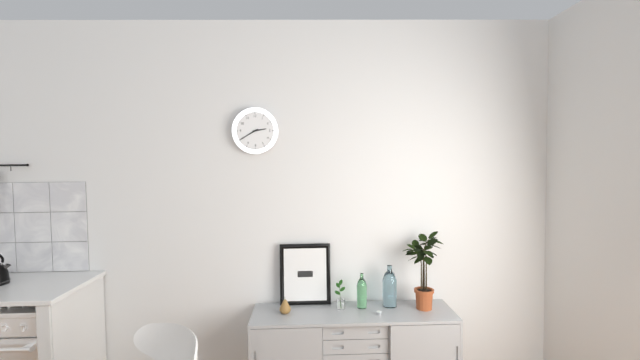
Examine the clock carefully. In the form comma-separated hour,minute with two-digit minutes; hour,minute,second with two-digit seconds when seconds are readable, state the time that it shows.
2,40
